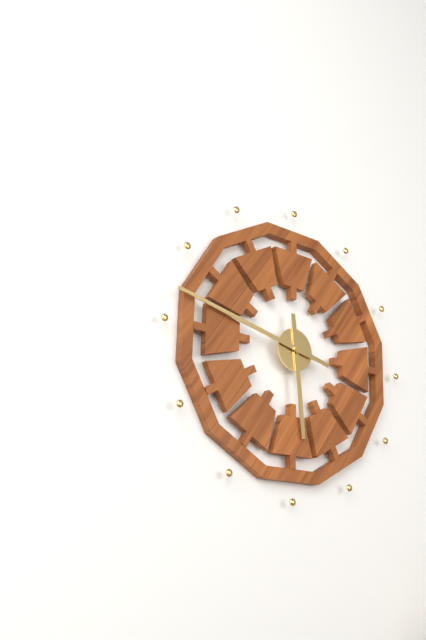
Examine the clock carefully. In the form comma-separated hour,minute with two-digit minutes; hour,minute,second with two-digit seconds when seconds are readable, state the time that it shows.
5,47
